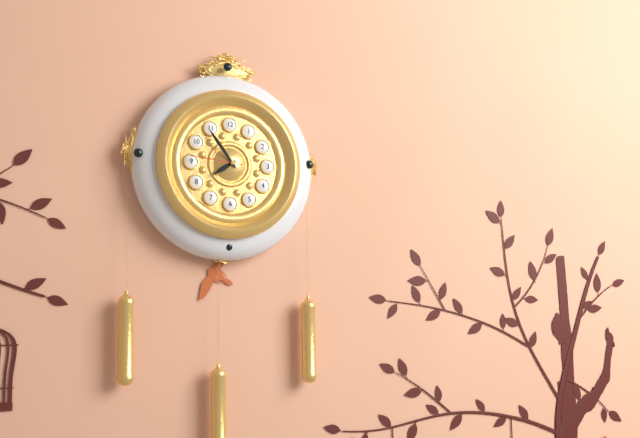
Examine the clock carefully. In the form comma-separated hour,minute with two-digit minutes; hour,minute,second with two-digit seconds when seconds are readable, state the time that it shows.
7,54,46
